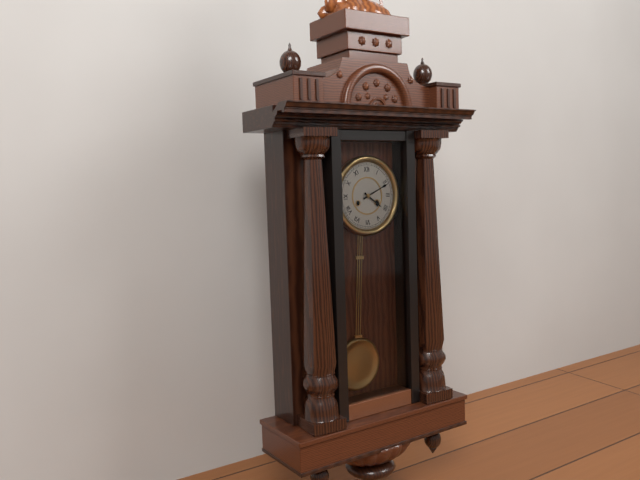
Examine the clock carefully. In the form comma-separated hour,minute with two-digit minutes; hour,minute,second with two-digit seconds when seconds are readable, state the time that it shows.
4,11
